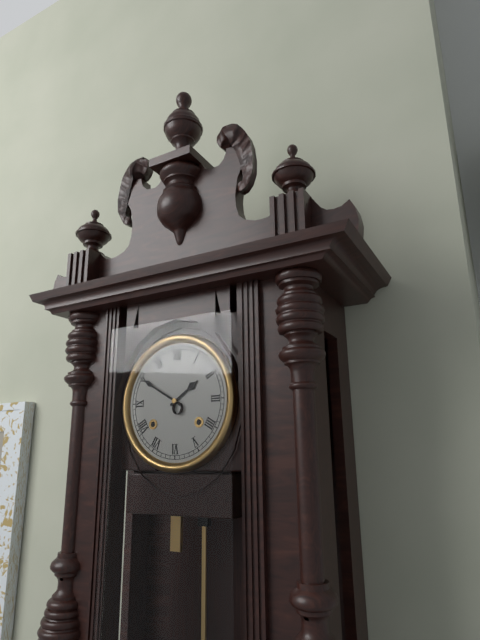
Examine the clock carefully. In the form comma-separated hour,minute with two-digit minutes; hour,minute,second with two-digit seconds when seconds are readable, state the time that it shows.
1,50
